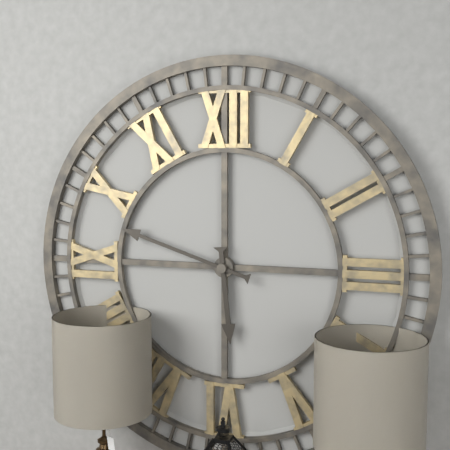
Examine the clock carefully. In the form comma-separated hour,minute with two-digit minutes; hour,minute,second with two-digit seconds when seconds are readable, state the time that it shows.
5,48
